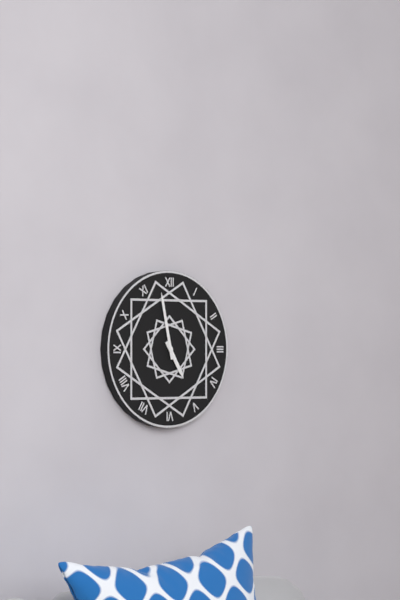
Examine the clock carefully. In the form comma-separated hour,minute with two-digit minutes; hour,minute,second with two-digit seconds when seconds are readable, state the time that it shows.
4,58
